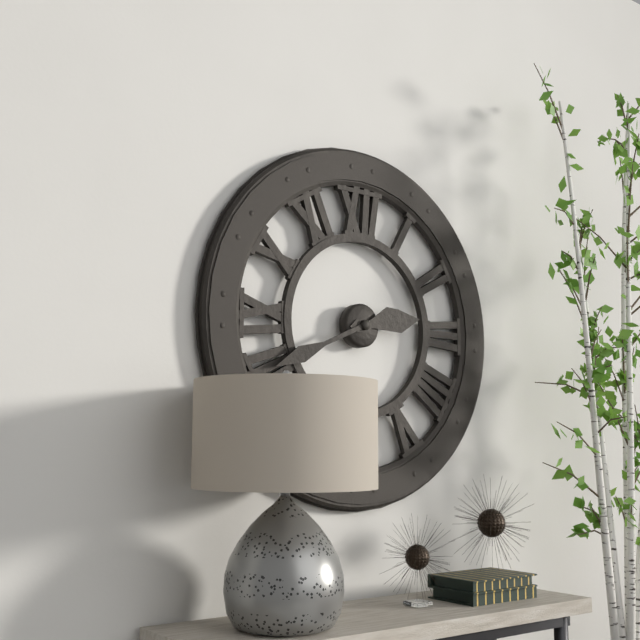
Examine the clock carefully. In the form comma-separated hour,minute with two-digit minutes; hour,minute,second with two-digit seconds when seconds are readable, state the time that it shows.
2,41
